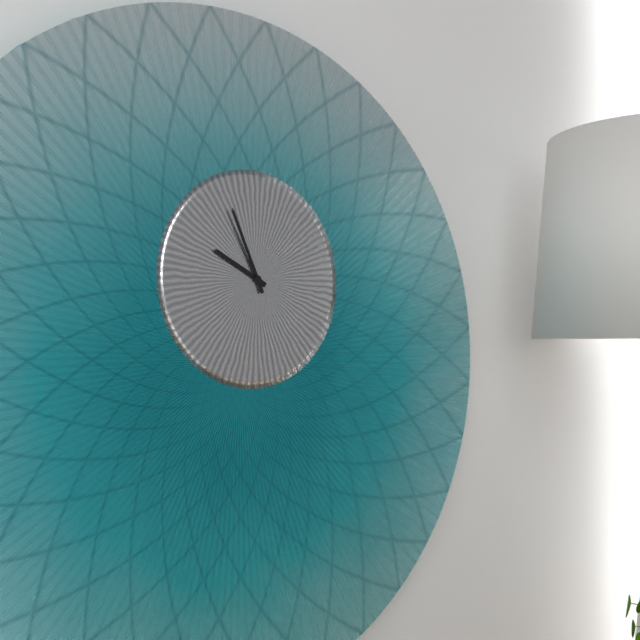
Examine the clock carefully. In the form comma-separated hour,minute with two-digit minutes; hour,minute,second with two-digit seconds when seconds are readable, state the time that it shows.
9,56
